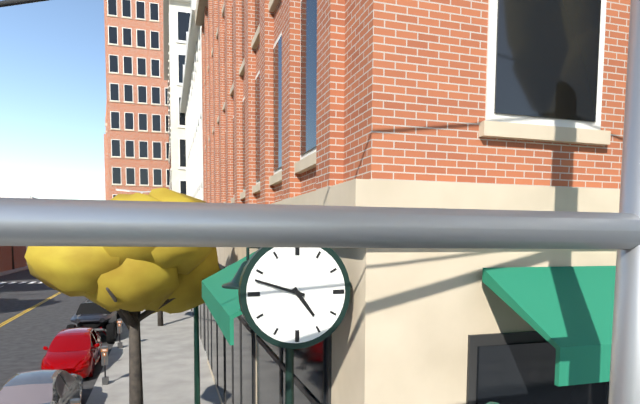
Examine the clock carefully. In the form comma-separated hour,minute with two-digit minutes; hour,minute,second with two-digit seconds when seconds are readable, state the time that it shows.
4,48
